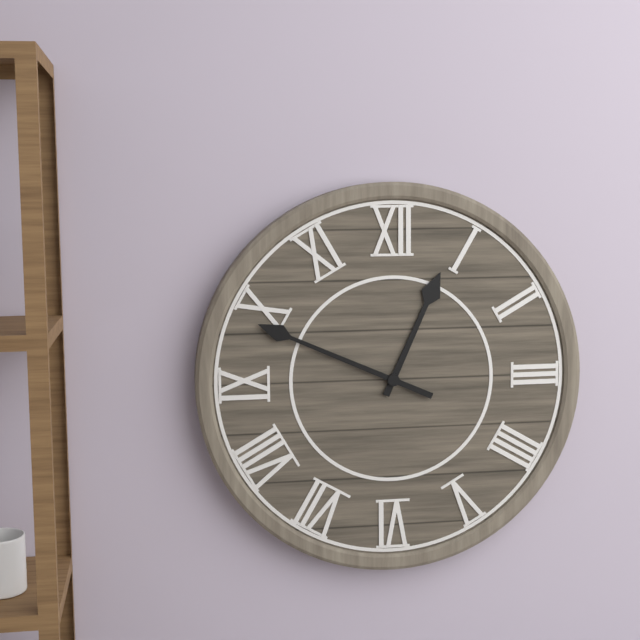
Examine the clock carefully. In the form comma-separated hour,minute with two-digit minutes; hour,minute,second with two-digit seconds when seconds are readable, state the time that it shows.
12,49
